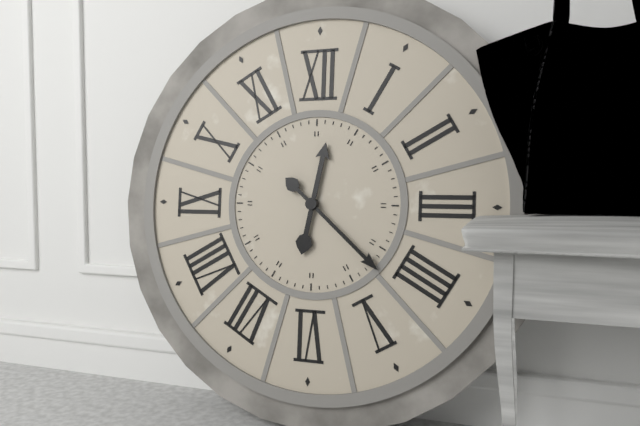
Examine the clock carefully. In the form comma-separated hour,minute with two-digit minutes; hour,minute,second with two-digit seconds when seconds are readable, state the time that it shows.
12,22
